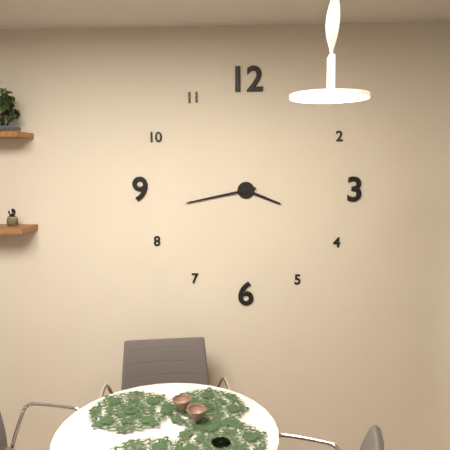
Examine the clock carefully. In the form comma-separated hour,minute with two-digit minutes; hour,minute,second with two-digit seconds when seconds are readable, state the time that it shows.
3,43
